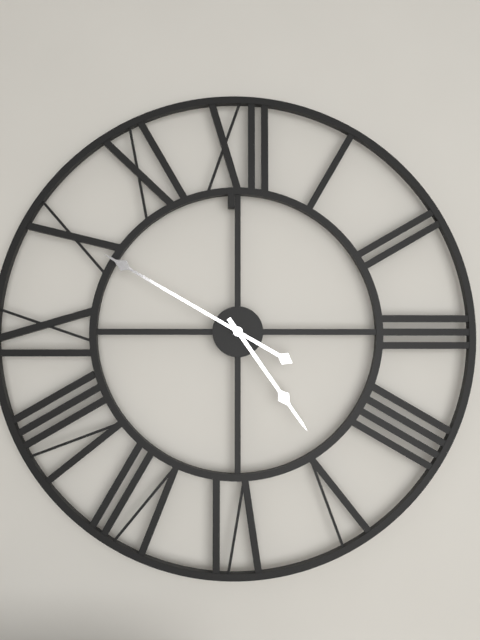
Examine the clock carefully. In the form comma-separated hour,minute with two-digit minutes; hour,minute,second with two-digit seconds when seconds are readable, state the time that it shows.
4,50
